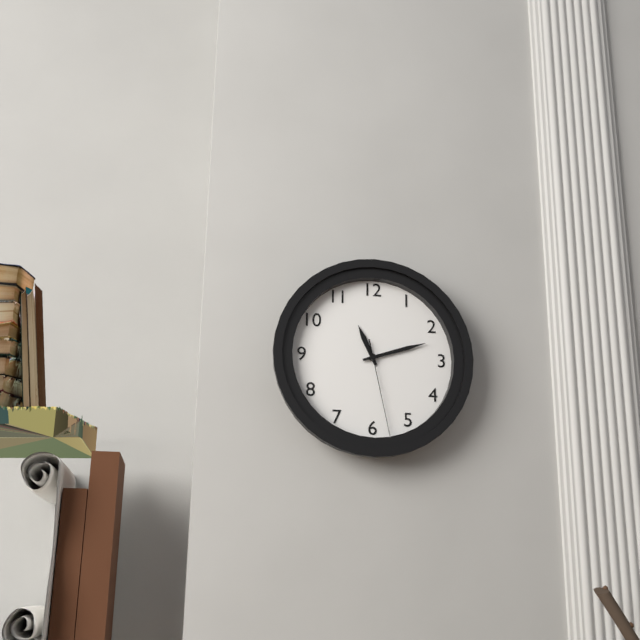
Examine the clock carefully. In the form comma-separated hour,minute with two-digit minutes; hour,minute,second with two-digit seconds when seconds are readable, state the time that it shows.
11,12,28
